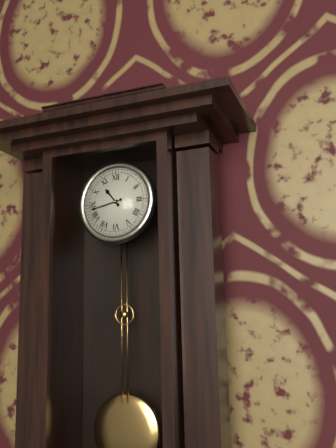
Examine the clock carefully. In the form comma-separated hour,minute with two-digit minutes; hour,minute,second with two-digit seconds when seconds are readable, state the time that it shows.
10,43
